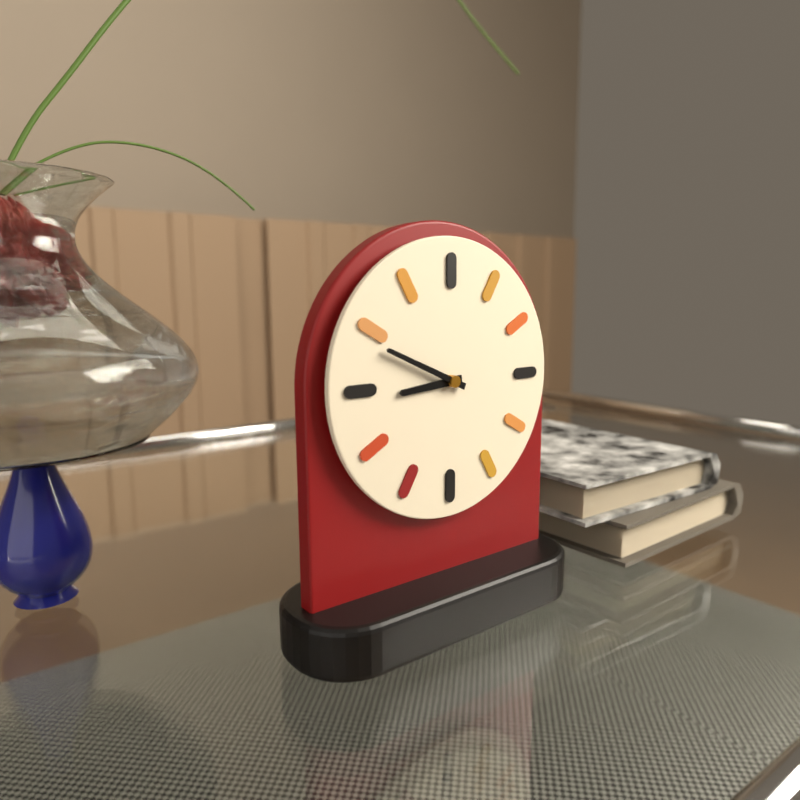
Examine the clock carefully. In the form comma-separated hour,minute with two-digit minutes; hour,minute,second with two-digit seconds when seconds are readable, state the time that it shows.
8,49
